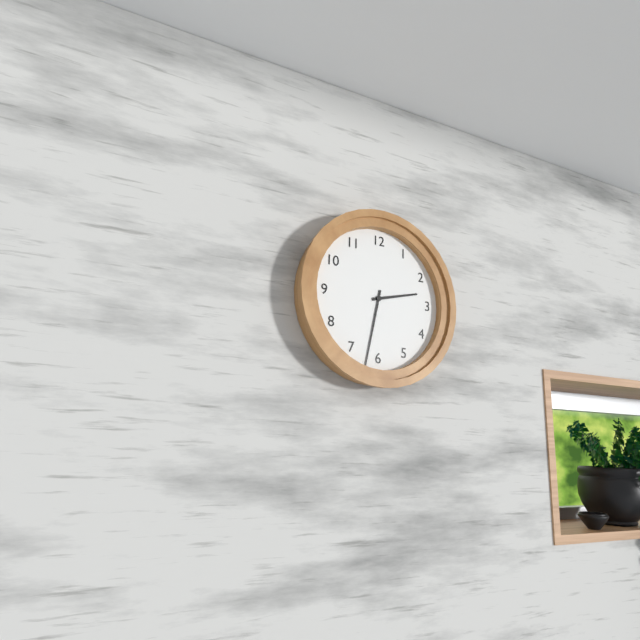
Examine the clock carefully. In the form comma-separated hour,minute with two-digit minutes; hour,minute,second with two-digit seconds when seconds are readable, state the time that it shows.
2,32
